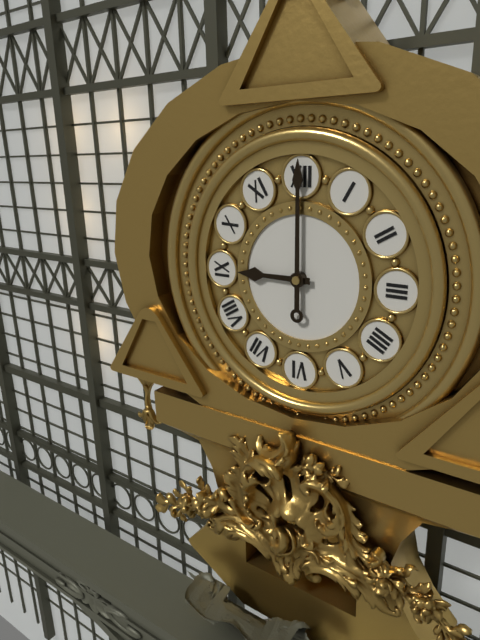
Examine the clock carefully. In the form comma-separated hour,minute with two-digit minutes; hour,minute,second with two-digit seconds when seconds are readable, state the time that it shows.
9,00
